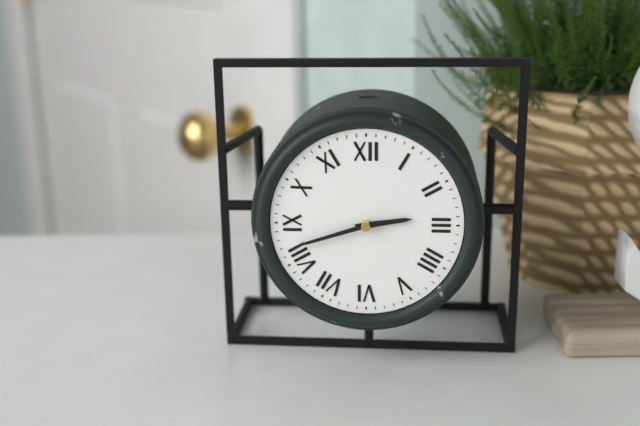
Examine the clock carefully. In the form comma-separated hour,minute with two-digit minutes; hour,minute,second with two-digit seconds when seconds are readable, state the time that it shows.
2,42
